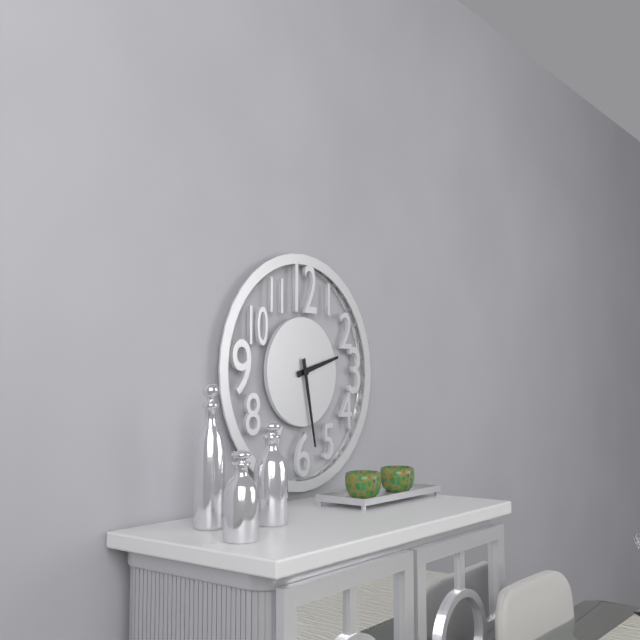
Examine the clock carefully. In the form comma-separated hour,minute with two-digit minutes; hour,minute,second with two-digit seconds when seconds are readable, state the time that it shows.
2,28
